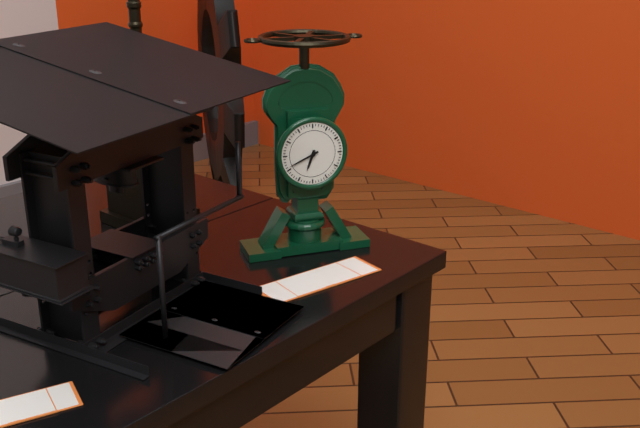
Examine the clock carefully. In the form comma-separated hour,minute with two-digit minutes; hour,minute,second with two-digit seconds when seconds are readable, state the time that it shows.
6,41
